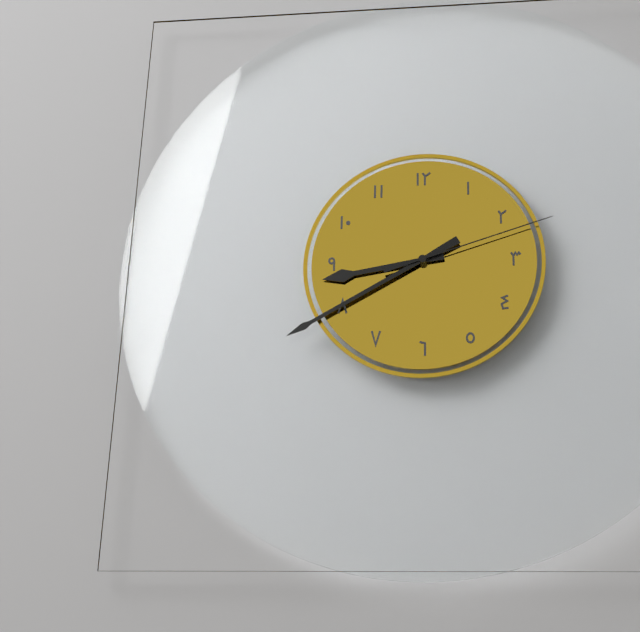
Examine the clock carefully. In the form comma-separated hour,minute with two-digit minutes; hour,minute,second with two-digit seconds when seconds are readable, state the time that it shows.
8,40,12
